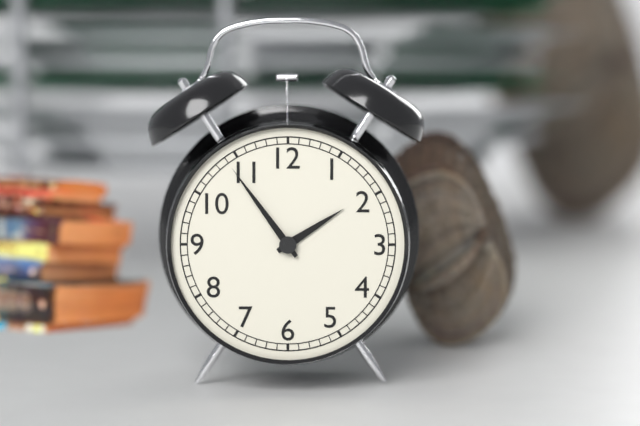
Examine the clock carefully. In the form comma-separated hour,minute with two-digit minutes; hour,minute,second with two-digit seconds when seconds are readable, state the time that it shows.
1,54
